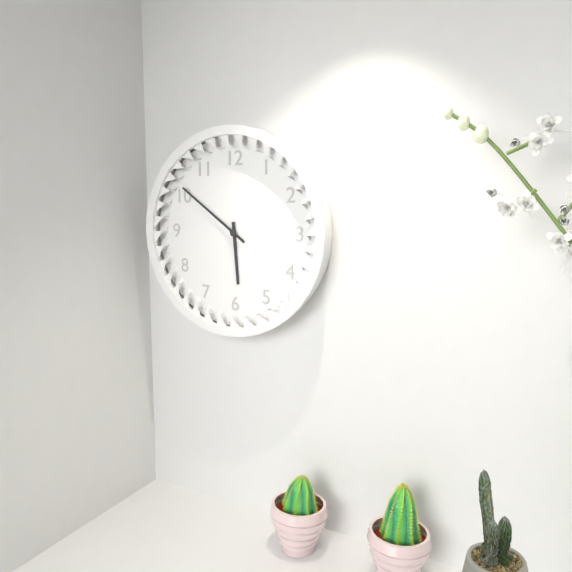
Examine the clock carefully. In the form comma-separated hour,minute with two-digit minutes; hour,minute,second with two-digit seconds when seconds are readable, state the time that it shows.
5,51
